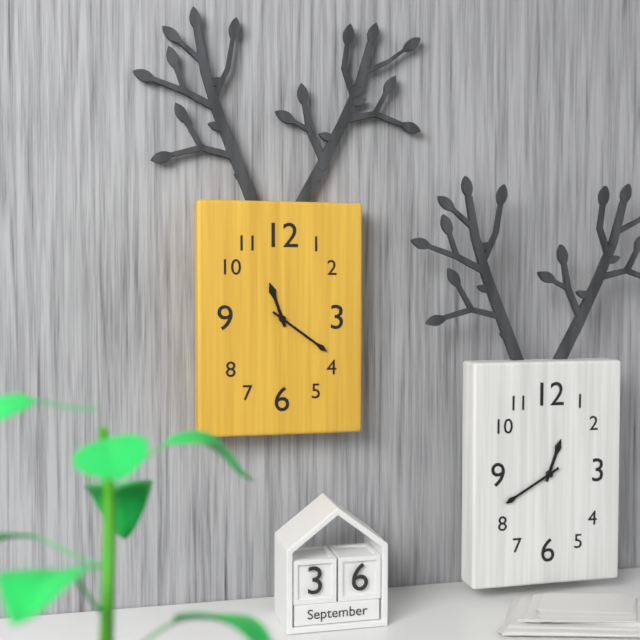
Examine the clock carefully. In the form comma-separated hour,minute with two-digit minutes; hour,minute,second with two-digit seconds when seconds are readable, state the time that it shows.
11,21
